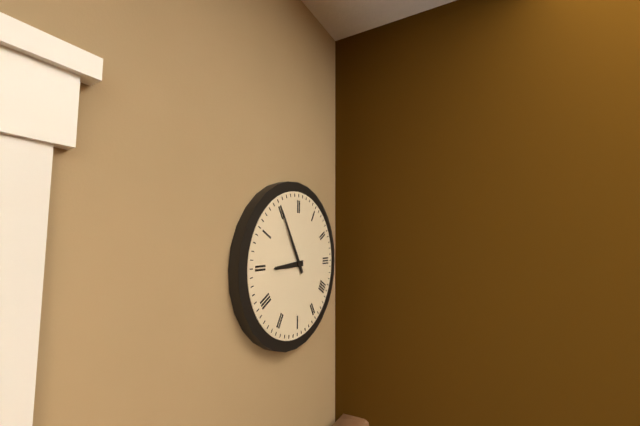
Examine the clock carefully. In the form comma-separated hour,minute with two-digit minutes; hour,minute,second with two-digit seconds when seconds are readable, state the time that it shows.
8,55
